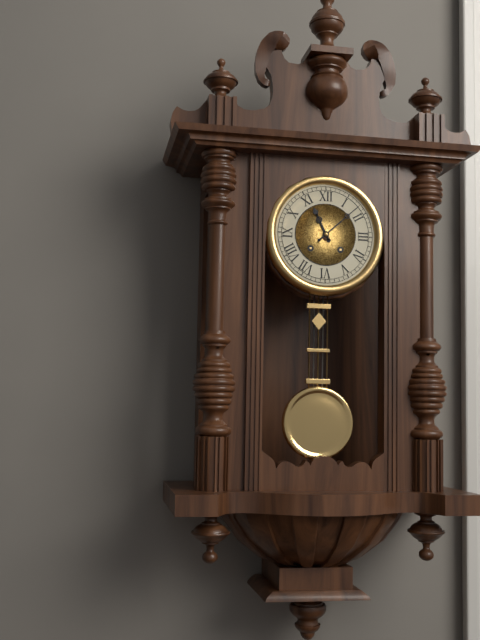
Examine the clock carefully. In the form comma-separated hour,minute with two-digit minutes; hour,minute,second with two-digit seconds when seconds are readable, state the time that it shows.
11,08
